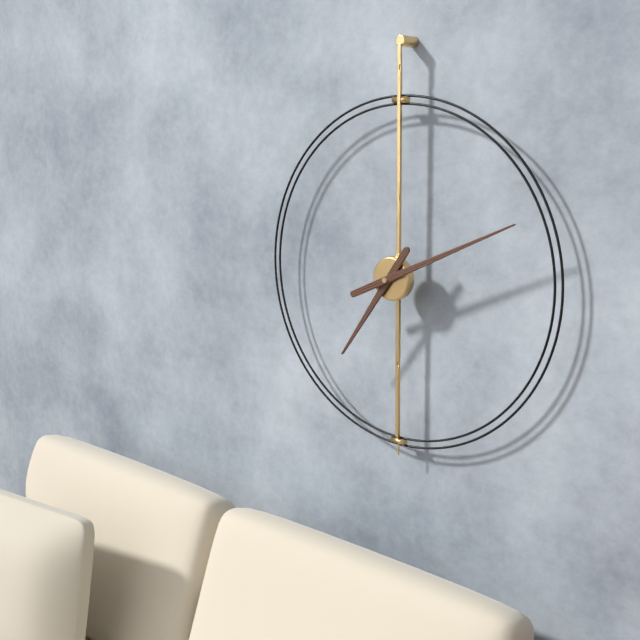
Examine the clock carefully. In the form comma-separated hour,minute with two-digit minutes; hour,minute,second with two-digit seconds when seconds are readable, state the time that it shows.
7,11
